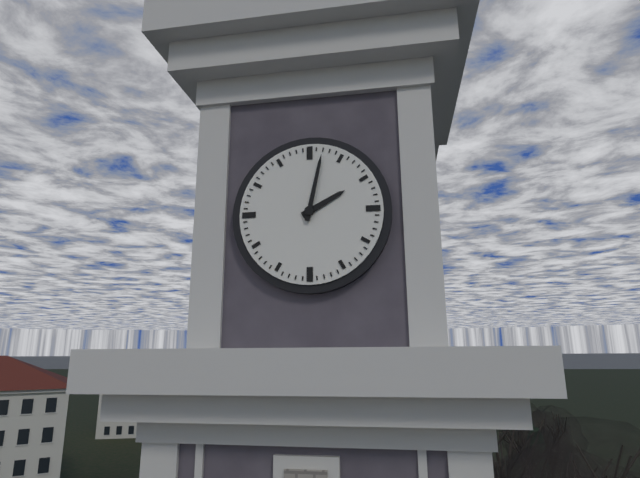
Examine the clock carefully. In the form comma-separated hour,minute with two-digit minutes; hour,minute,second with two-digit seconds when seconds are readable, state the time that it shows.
2,02
